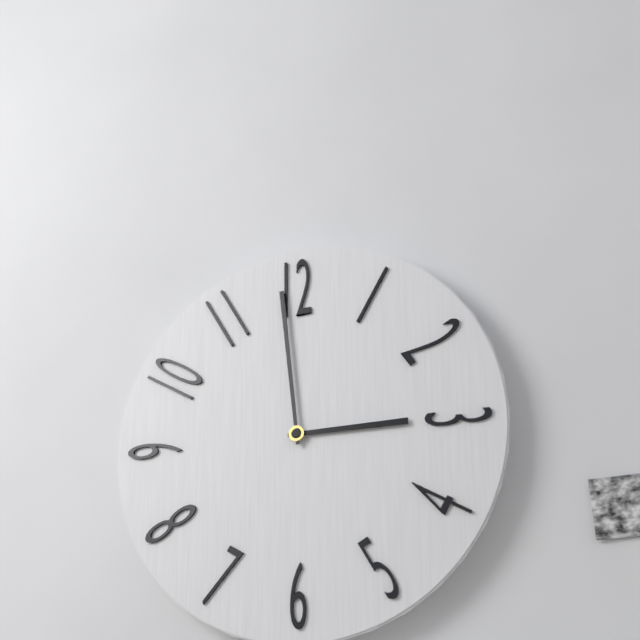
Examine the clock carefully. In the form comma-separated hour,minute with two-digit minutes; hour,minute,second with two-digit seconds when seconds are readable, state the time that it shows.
2,59
